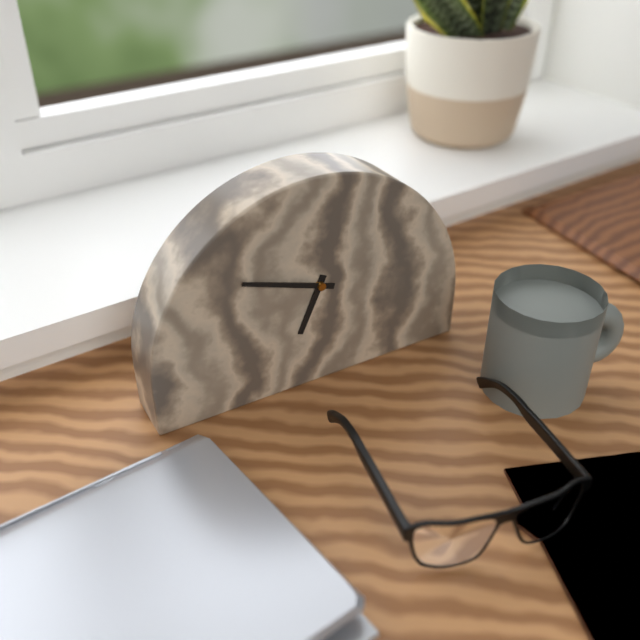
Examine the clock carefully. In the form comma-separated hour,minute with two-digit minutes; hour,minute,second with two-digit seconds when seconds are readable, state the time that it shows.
6,48
